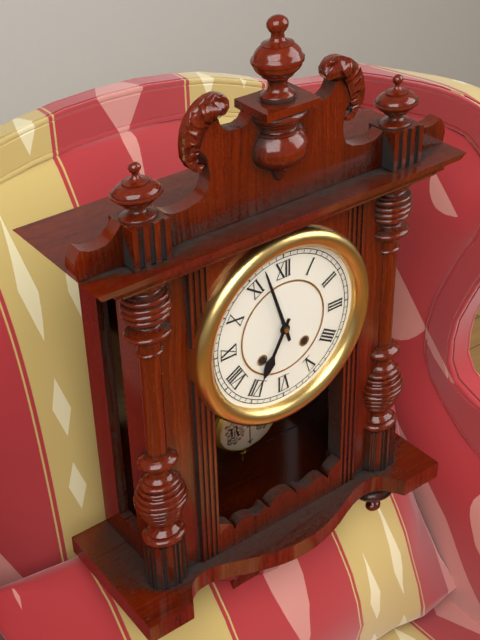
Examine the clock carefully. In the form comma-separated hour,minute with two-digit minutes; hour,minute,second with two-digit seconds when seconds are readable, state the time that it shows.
6,57
